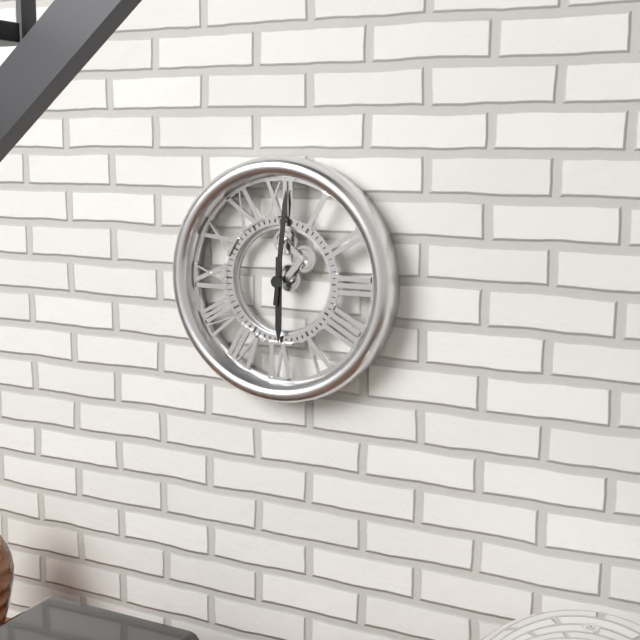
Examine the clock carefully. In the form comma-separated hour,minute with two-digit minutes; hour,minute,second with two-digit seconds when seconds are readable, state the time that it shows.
6,01
